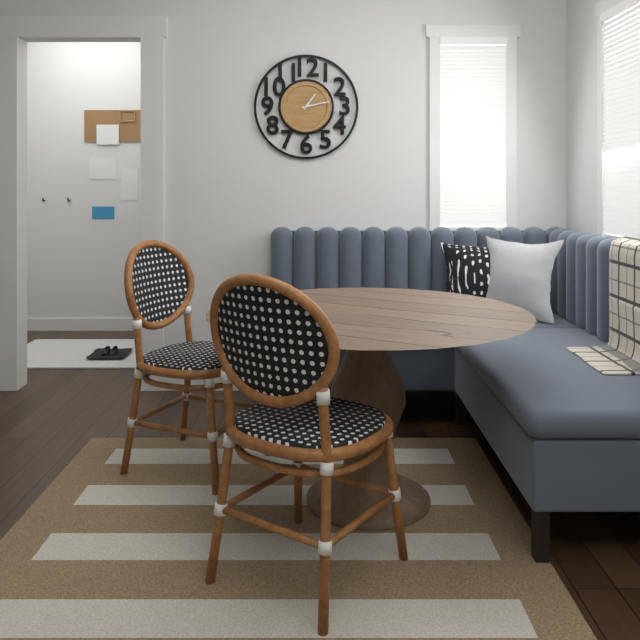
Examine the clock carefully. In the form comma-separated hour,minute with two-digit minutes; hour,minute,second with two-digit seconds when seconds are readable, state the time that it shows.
1,13
